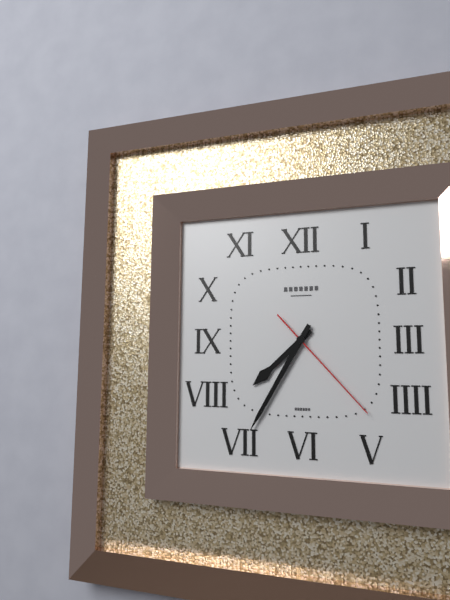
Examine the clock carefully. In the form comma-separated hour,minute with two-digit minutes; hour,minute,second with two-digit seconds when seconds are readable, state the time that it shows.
7,35,23
